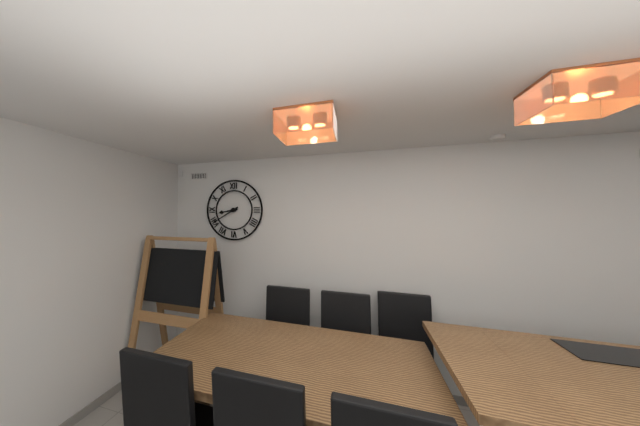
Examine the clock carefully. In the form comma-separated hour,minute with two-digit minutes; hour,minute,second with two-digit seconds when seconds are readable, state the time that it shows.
8,40
